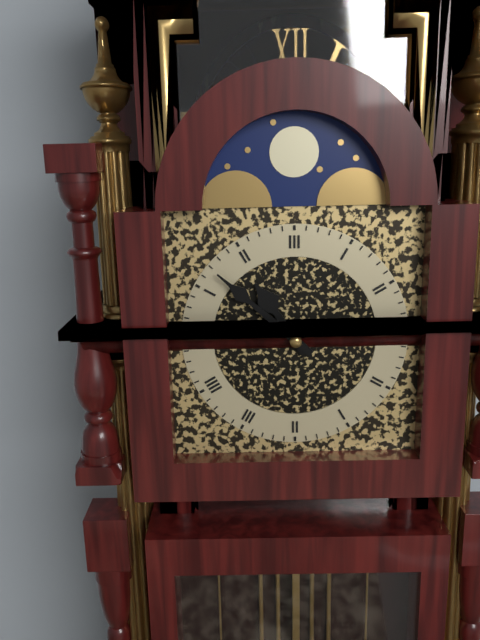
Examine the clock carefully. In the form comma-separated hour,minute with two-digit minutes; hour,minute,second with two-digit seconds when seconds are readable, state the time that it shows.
10,52
